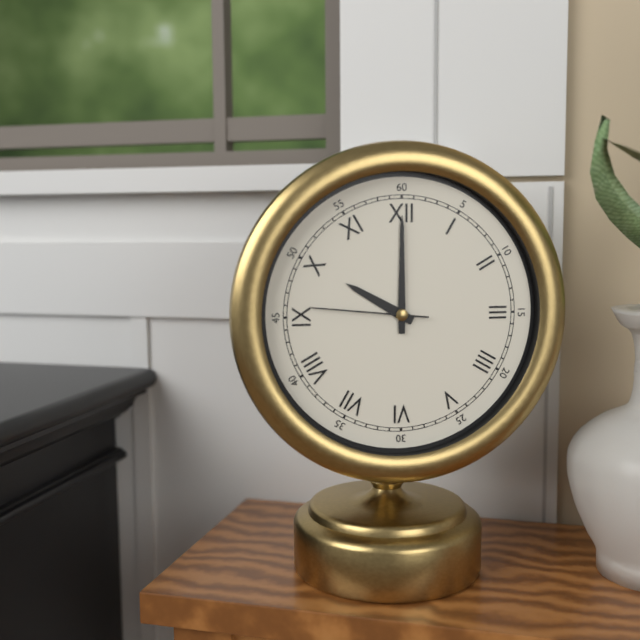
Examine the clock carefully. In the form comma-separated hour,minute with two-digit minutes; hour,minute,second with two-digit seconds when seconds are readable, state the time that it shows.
10,00,46
